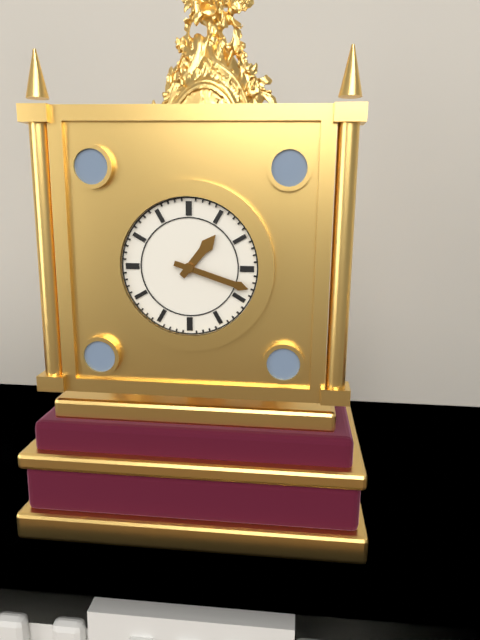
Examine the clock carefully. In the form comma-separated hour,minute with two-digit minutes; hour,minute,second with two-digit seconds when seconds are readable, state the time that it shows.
1,18
